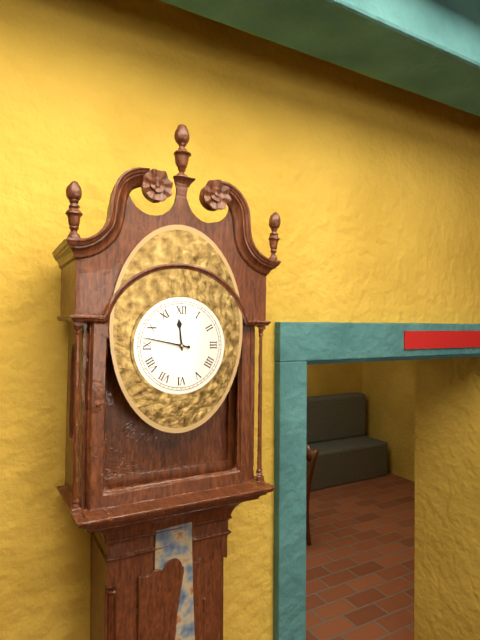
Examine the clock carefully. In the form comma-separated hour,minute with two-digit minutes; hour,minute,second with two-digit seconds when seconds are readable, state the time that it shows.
11,47
